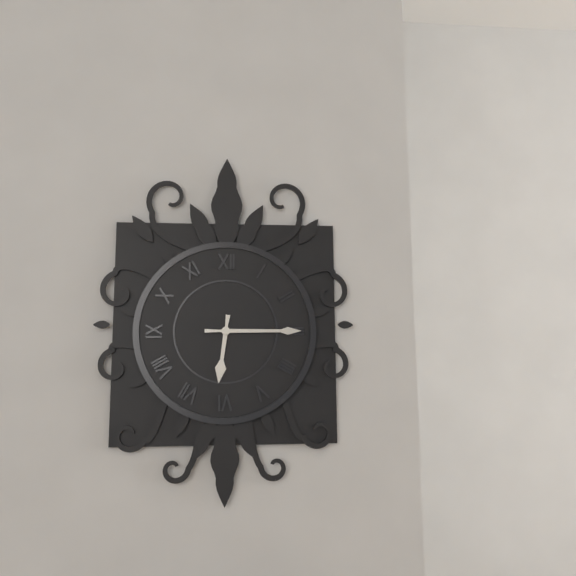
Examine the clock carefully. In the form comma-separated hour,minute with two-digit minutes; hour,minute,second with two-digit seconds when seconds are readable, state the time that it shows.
6,15
